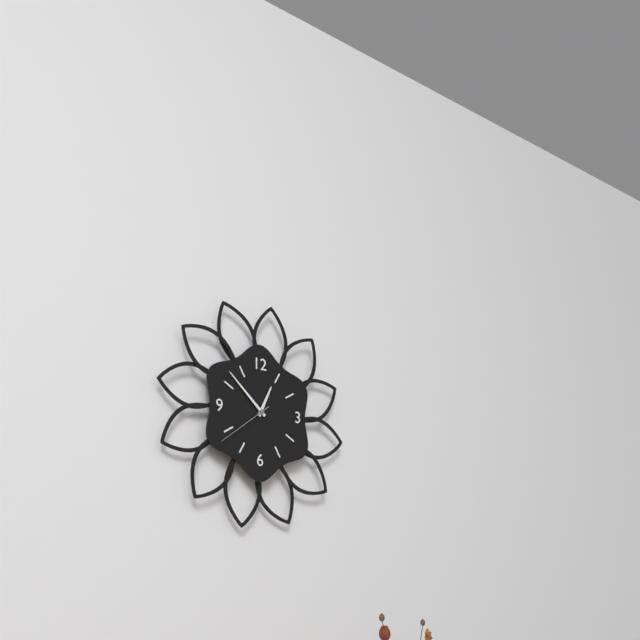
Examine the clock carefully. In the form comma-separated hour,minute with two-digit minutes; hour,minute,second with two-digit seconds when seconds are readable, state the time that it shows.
12,52,39
